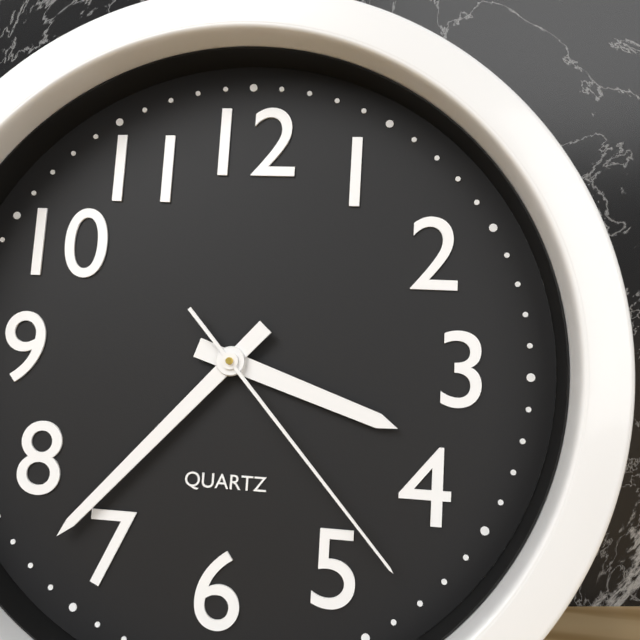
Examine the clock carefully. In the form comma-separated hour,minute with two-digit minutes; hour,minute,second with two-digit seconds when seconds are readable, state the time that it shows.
3,37,23
